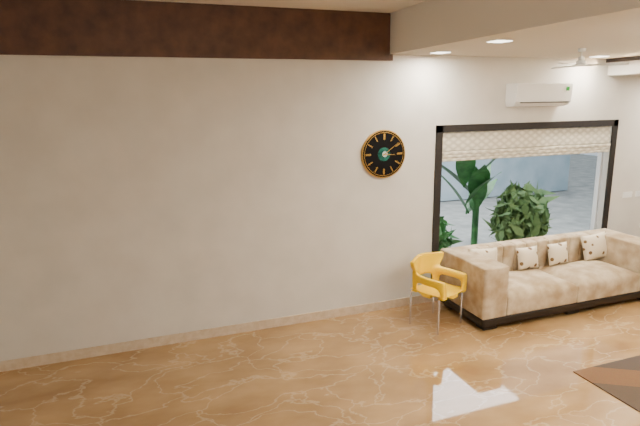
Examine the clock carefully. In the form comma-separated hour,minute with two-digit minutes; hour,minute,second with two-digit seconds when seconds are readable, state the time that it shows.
3,09
